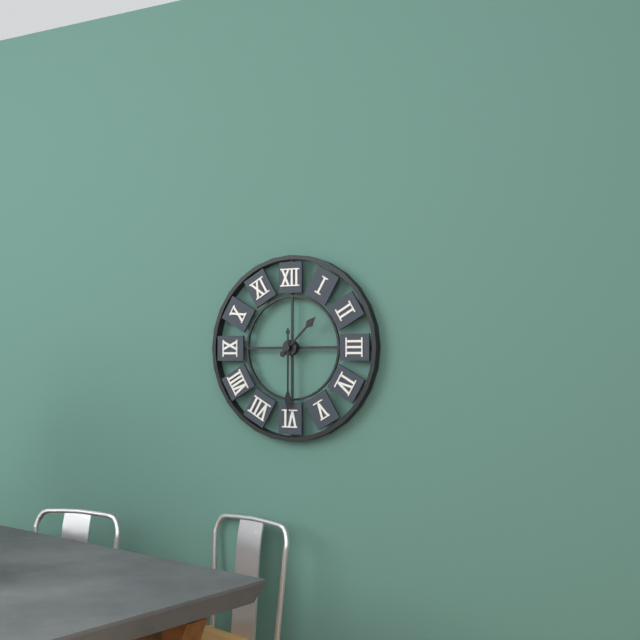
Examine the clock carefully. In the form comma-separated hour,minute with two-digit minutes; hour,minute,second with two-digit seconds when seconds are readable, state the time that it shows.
1,30
